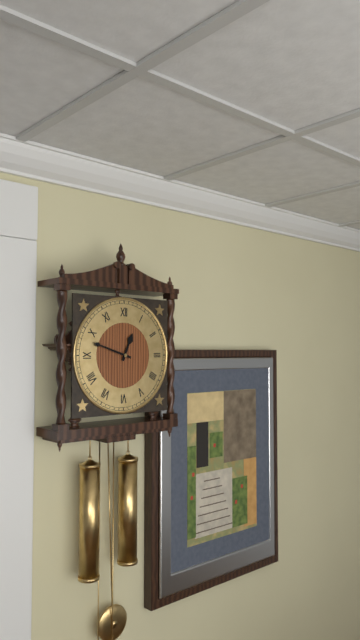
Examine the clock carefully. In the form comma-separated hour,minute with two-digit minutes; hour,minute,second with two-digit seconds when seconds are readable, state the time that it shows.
12,48
